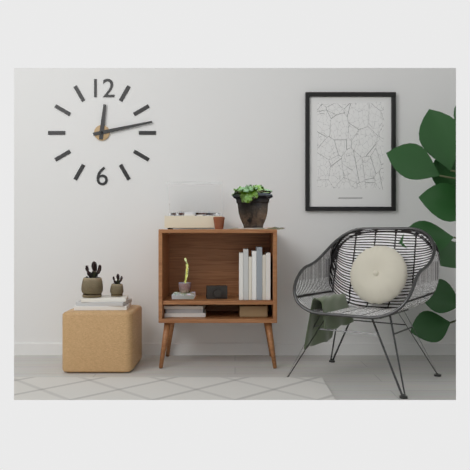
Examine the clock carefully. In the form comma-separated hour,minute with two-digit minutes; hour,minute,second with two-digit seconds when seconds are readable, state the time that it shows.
12,13
